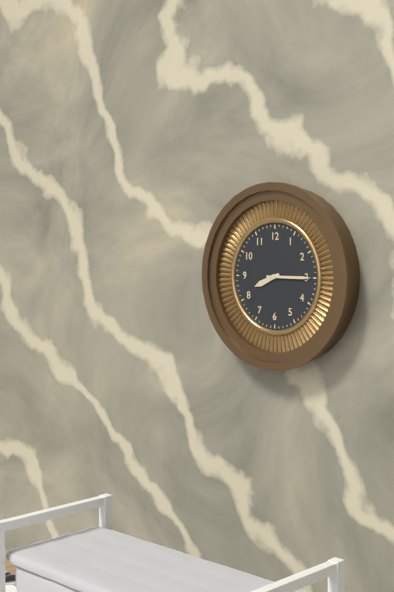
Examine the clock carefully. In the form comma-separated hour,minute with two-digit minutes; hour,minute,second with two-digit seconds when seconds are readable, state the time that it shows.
8,15
